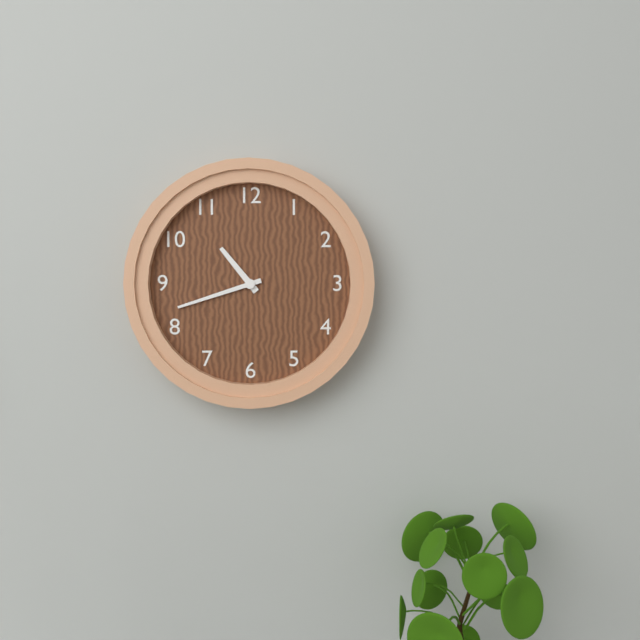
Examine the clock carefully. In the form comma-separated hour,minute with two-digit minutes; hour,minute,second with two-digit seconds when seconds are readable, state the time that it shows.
10,42
